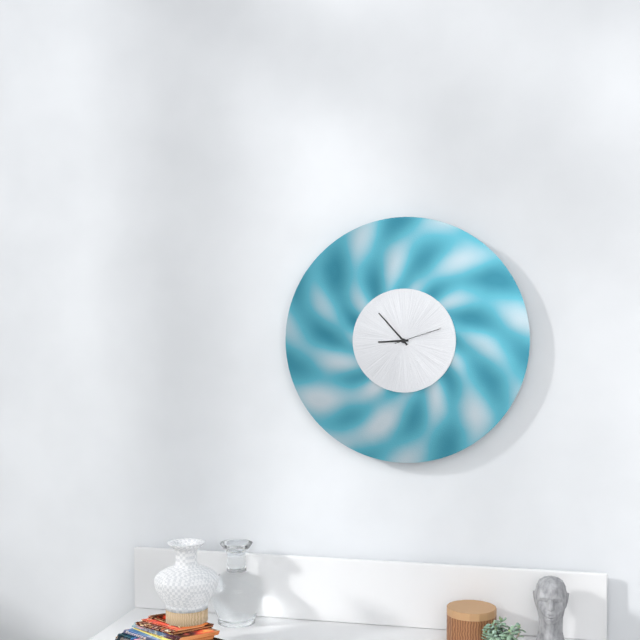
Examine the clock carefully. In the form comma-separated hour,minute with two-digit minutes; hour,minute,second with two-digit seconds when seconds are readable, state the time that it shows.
8,53
